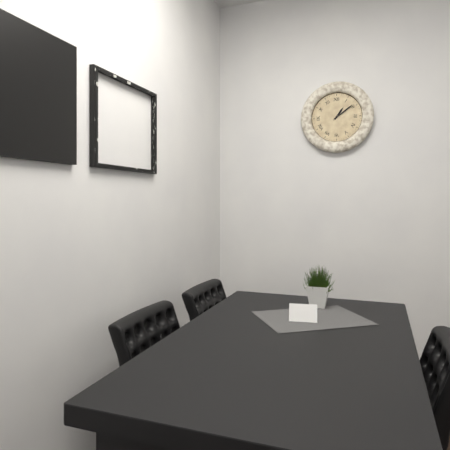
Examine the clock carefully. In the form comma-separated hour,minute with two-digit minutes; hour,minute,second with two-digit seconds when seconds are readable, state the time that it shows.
1,09
